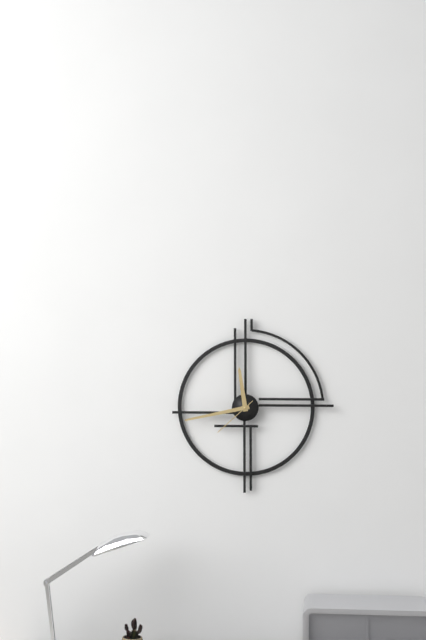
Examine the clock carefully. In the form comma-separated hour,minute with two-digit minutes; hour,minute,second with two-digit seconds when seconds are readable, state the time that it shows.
11,43
